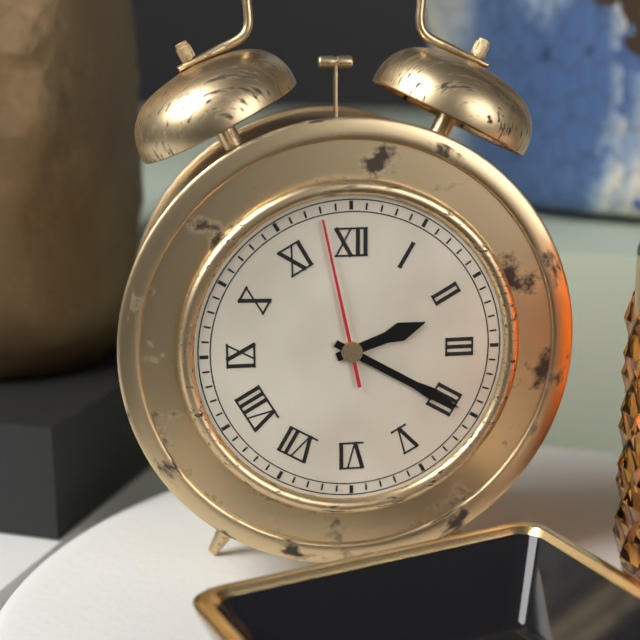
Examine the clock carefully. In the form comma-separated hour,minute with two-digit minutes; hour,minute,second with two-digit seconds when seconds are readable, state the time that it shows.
2,20,58
